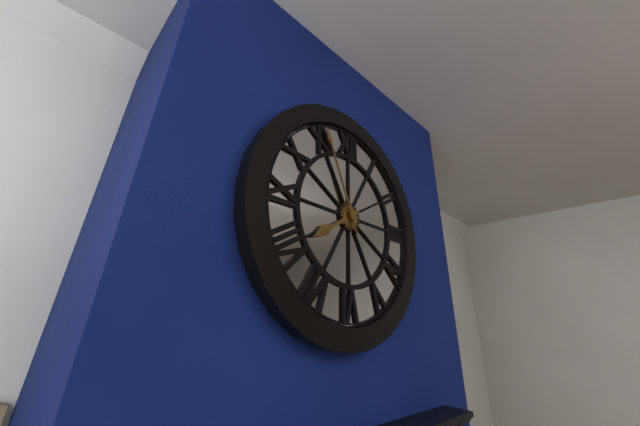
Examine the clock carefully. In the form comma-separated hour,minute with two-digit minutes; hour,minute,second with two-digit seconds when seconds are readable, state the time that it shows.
7,56
